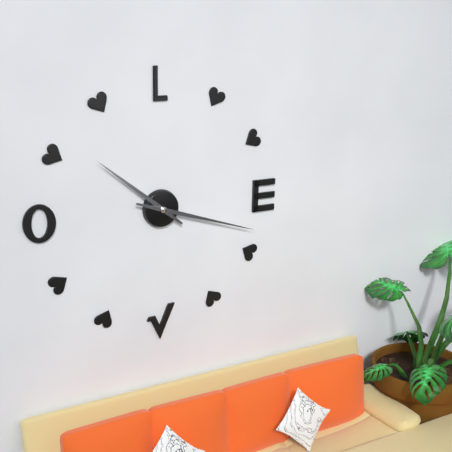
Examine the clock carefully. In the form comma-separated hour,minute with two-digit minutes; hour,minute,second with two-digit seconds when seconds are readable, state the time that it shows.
10,18
